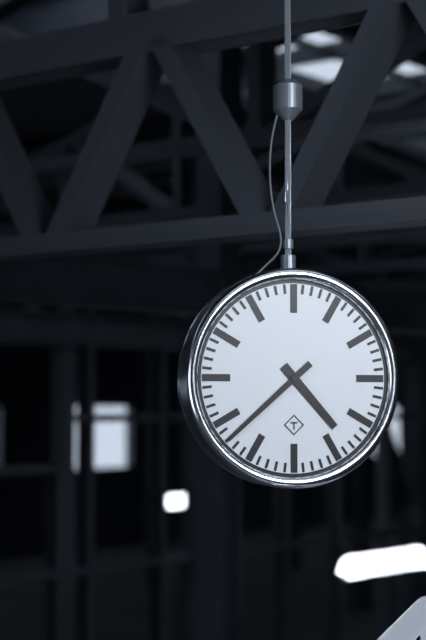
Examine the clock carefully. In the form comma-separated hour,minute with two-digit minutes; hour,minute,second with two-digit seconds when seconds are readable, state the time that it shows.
4,38
